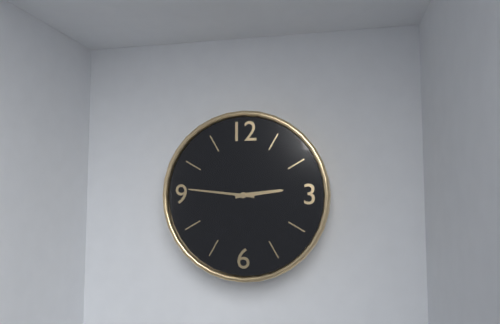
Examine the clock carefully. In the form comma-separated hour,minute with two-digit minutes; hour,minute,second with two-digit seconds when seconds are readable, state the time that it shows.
2,46
